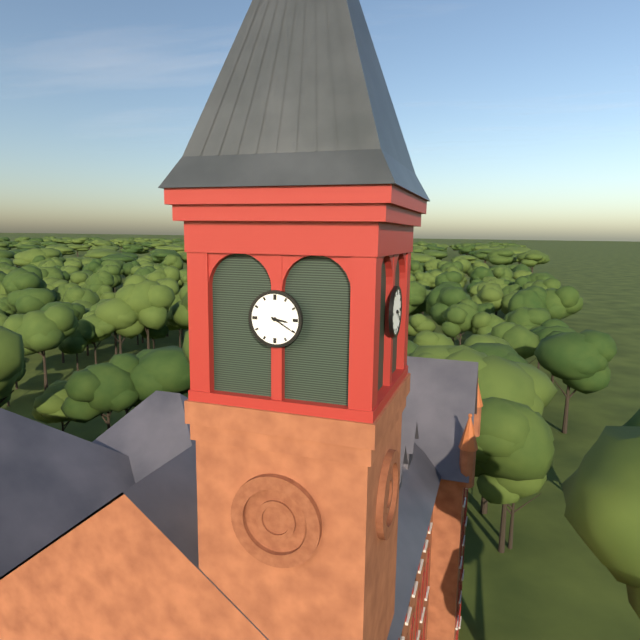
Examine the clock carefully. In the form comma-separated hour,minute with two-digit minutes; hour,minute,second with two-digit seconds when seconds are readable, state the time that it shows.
3,20
